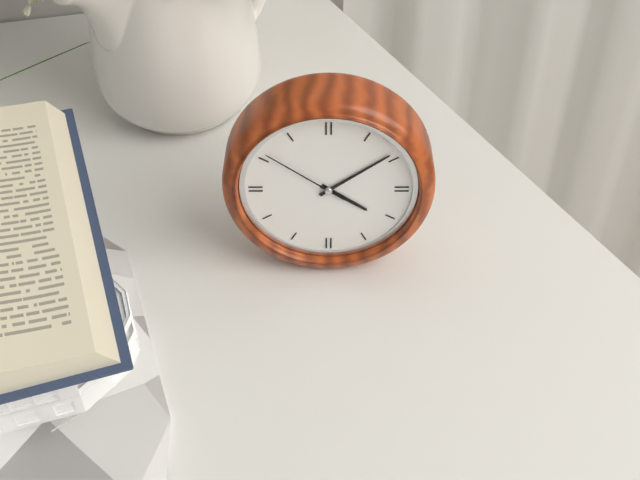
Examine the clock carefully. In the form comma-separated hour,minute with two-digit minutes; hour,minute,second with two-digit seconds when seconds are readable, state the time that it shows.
4,09,51
